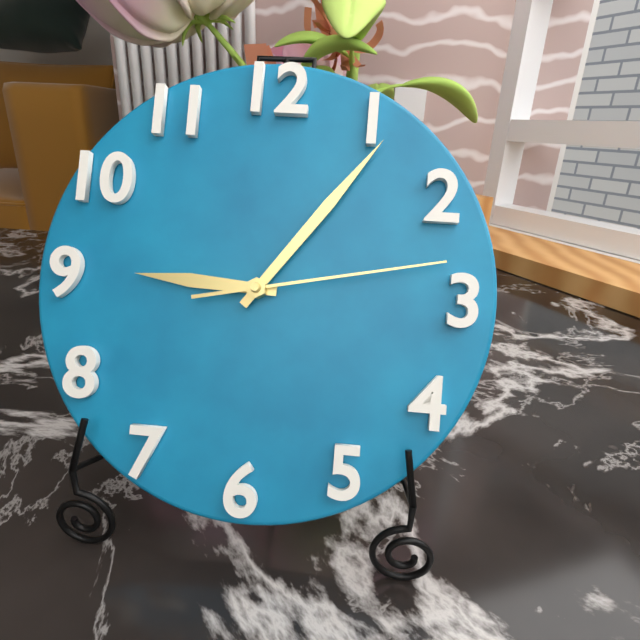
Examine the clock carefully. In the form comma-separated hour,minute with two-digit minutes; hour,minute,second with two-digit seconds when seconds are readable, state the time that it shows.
9,06,13
